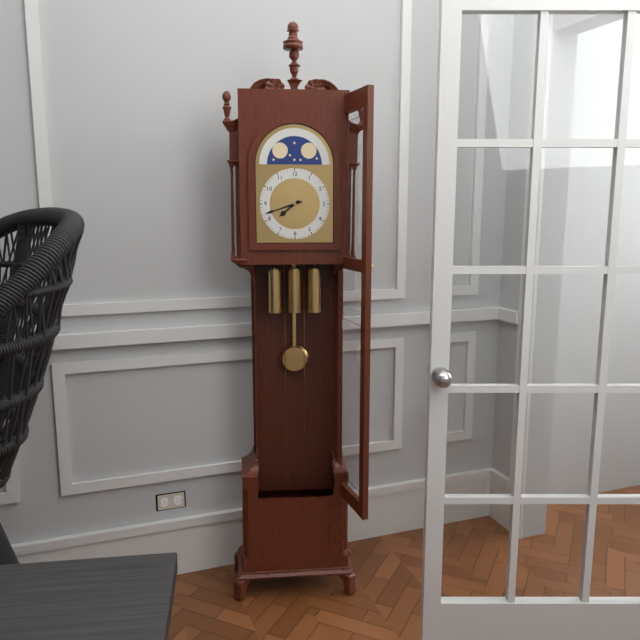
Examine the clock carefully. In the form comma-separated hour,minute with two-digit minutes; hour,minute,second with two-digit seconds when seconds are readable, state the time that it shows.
7,42
